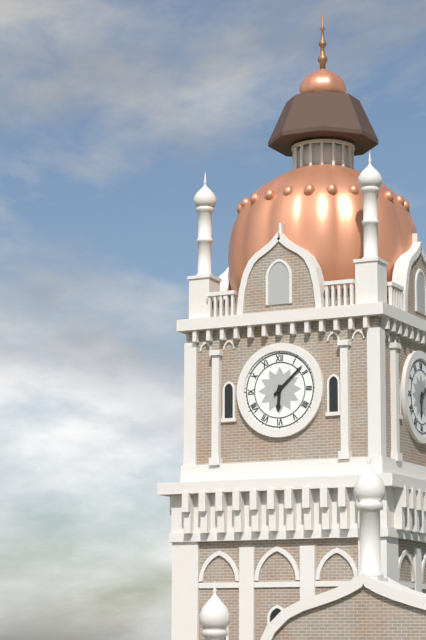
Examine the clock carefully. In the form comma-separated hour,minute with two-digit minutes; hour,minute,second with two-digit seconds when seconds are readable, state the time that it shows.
6,08
